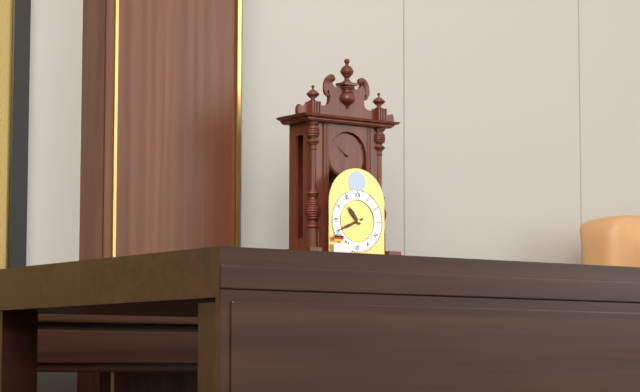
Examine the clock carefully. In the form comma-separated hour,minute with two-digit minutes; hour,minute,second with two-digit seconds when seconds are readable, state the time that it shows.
10,41
